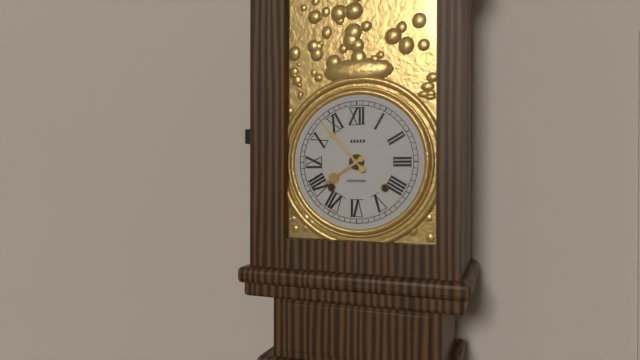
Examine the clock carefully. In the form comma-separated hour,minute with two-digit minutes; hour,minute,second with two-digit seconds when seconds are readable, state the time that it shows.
7,53
